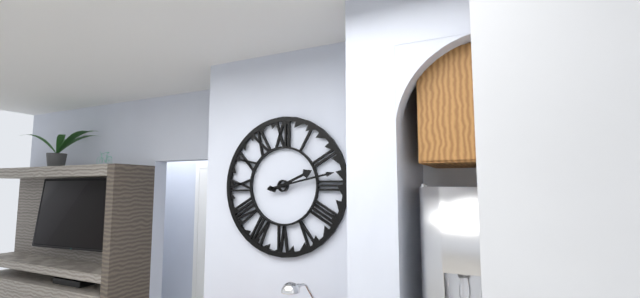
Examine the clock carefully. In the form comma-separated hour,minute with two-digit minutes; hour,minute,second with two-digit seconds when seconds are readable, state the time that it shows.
2,13
